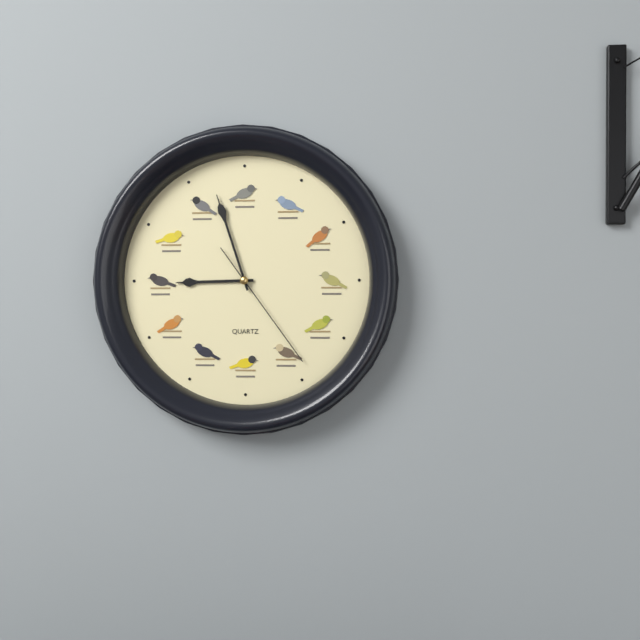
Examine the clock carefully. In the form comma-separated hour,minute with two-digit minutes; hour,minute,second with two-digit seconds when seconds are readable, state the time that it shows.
8,57,24
